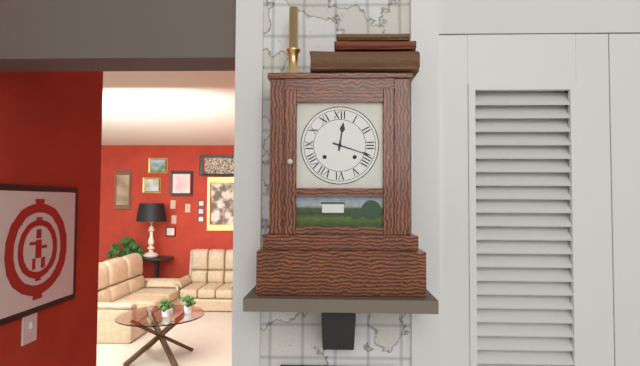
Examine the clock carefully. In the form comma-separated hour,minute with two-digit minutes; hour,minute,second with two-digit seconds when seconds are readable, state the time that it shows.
12,18
